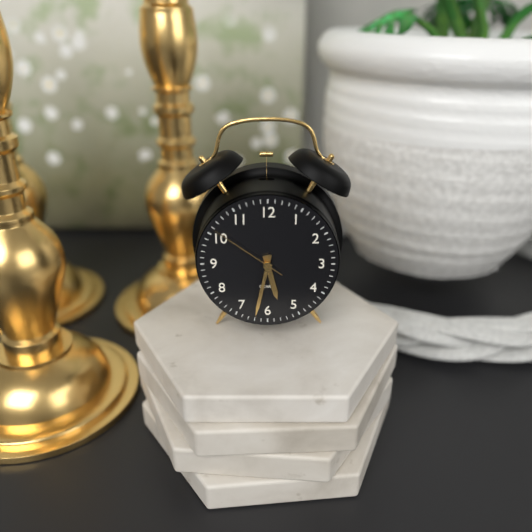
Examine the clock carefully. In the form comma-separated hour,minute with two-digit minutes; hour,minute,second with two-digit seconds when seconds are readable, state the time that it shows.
5,32,51
